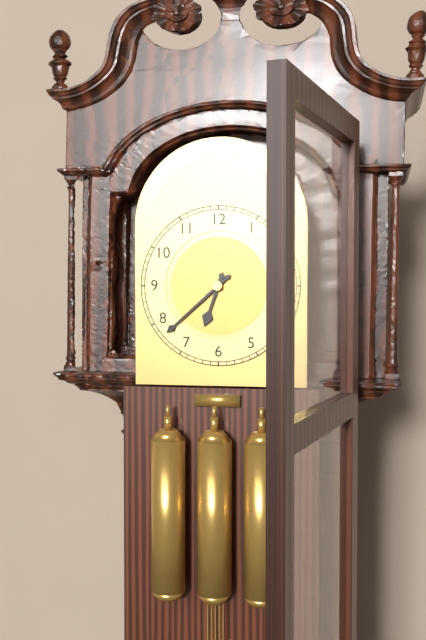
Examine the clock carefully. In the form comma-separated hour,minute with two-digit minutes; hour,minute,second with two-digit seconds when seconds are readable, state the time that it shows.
6,38
